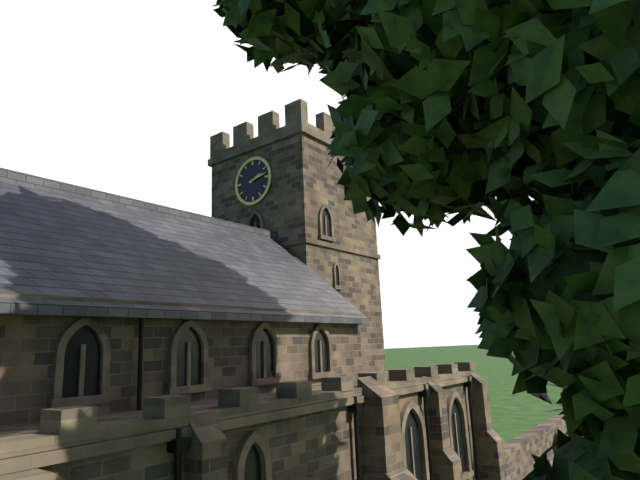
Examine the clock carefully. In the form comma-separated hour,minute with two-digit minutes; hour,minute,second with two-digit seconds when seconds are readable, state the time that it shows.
2,13
